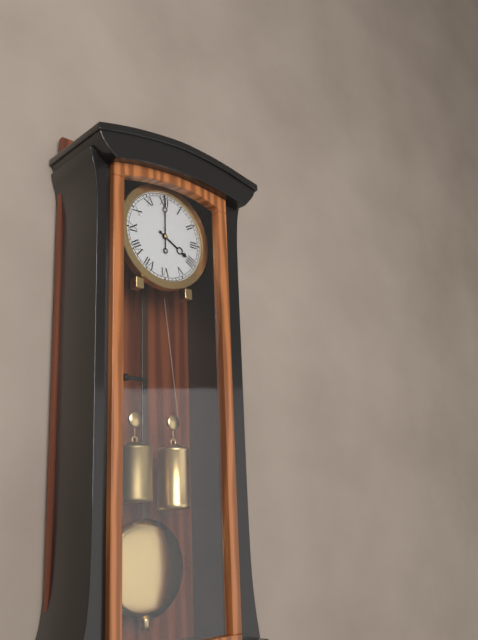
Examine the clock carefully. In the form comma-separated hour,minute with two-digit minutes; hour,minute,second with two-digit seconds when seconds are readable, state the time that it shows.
4,00
